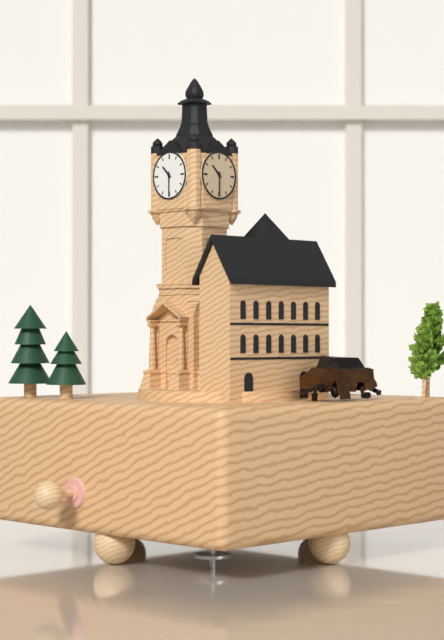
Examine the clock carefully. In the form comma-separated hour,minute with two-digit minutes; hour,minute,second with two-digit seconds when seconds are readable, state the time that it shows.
10,30
